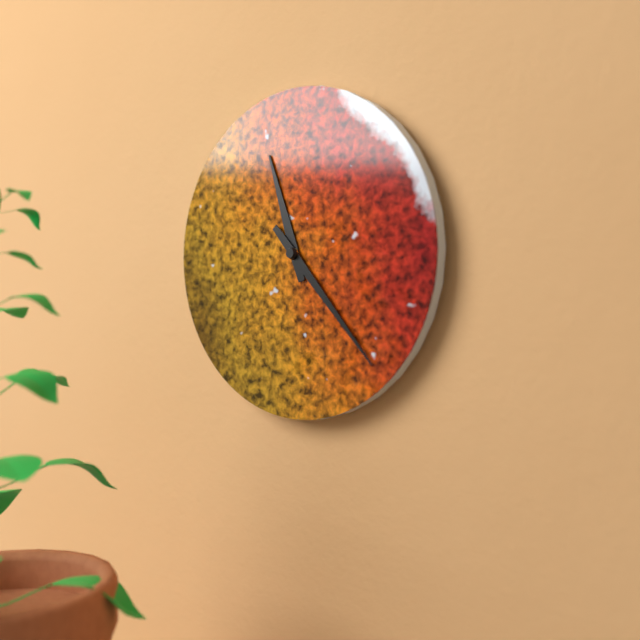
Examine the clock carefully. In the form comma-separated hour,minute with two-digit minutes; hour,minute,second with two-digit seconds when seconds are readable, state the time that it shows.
11,23
